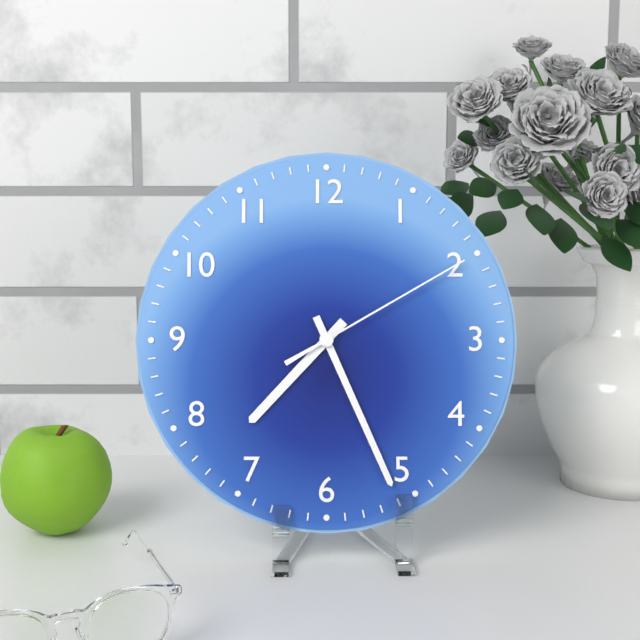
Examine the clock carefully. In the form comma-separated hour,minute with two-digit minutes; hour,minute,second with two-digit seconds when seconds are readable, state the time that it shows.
7,26,10
